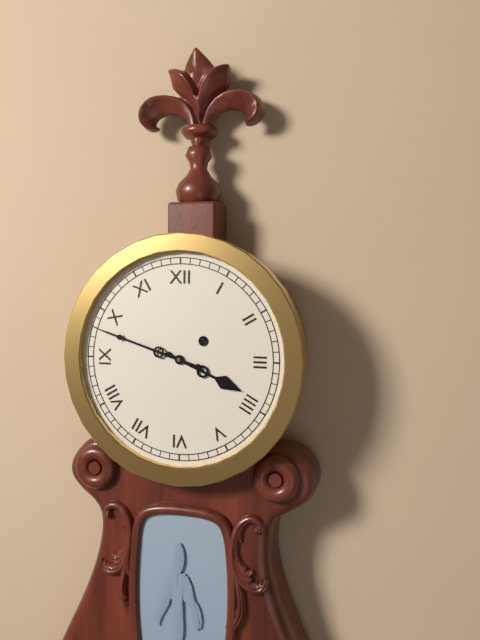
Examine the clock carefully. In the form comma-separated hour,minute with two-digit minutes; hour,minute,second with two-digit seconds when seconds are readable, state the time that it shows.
3,48
